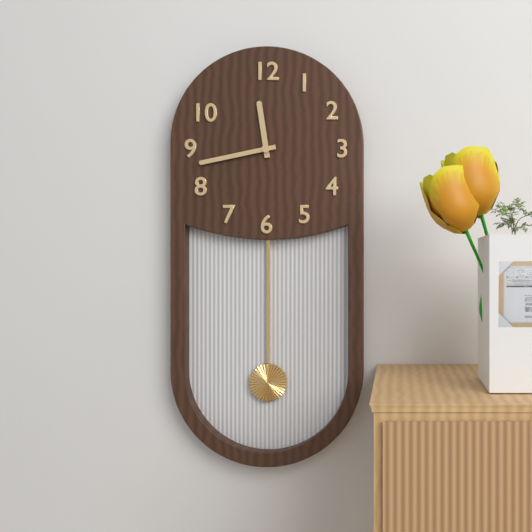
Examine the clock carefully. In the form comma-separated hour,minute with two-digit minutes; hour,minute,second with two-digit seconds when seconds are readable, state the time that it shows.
11,43
